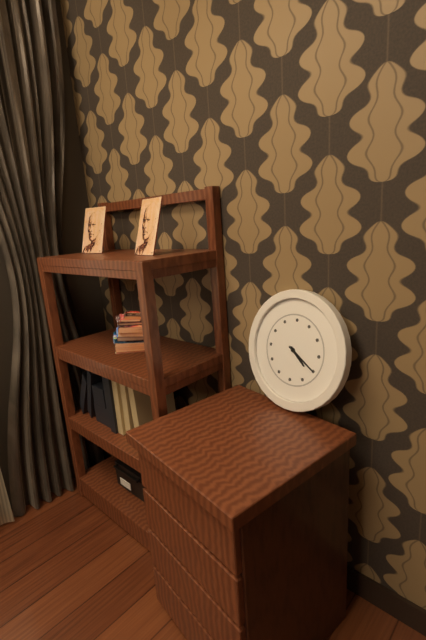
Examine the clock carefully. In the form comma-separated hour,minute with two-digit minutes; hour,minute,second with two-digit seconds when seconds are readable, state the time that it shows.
4,20
